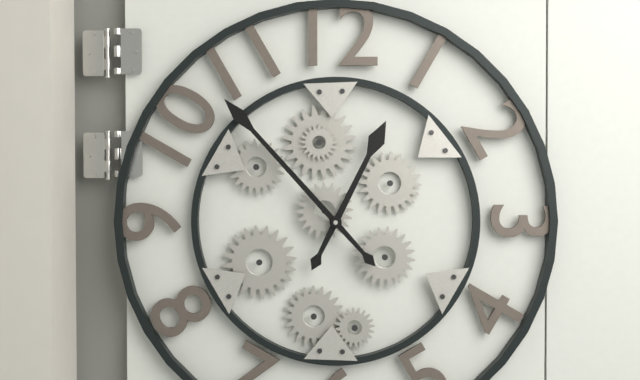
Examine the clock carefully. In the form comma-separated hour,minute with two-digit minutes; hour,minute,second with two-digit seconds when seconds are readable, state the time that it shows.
12,53
